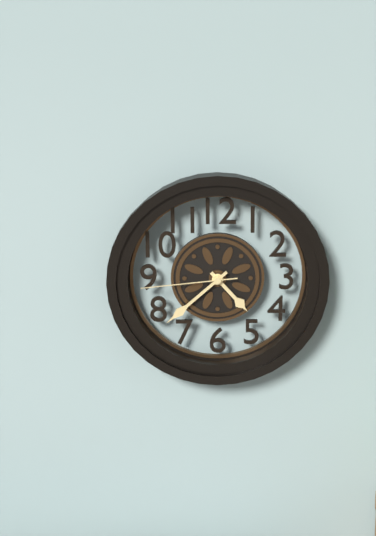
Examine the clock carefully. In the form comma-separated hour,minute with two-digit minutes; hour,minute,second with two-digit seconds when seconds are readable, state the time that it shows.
4,38,44
